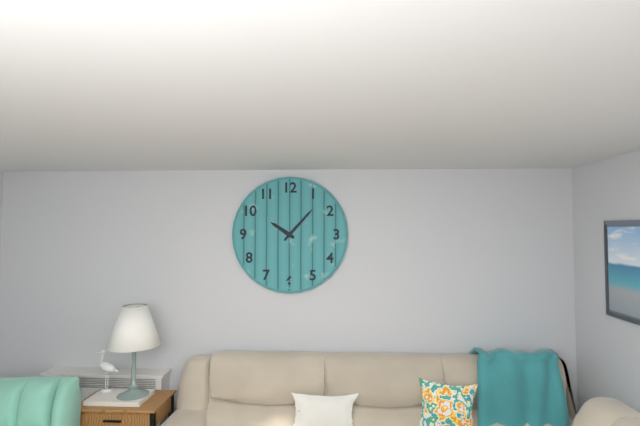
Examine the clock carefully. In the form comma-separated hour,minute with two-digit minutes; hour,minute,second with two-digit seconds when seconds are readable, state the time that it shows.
10,07
